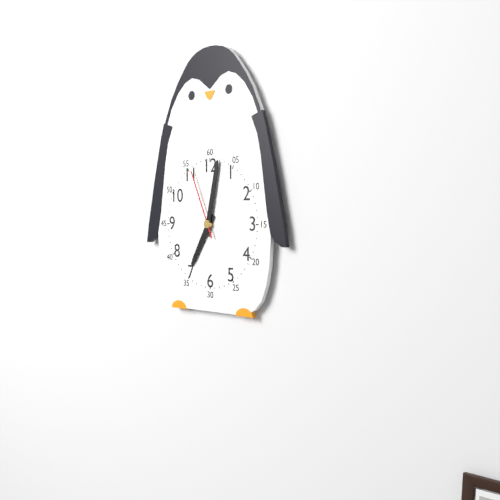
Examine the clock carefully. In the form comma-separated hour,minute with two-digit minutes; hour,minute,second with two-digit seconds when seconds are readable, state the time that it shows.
7,02,56
